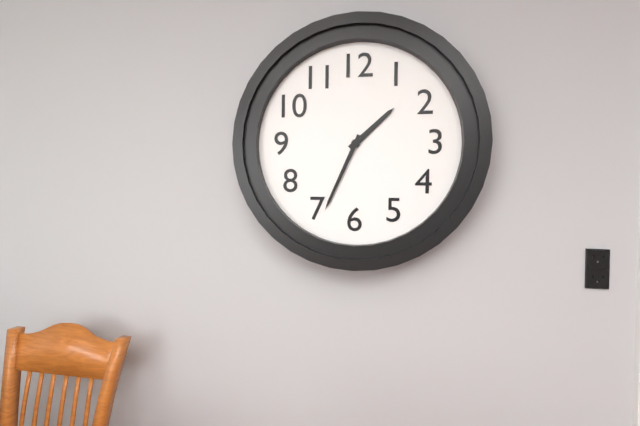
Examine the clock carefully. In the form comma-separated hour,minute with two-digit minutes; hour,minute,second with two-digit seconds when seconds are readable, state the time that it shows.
1,34
